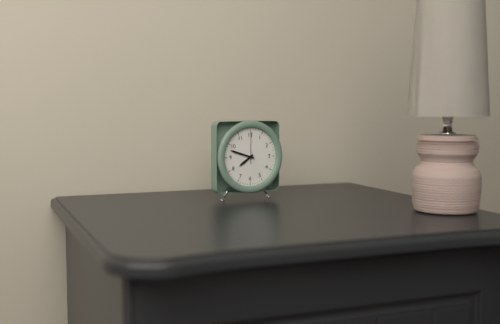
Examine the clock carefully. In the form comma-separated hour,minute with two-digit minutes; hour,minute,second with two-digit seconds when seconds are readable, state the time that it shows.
7,48
